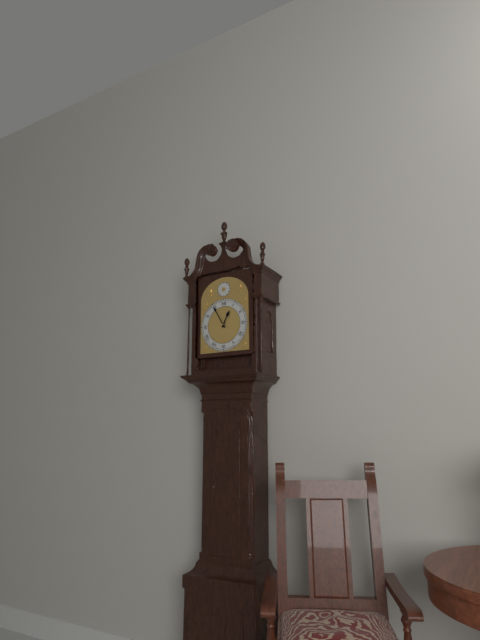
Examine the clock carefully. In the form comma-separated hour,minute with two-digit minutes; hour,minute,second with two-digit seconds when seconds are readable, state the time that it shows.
12,55
